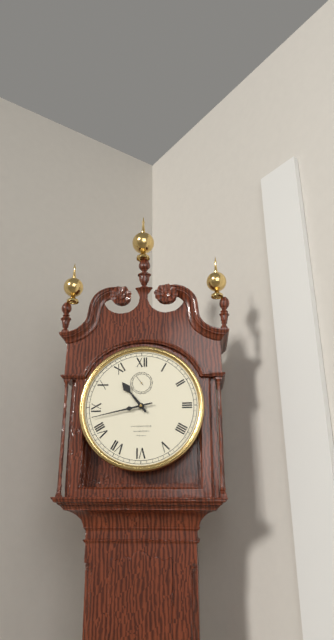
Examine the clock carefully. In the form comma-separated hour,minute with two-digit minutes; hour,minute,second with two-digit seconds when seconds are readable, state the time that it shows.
10,43
